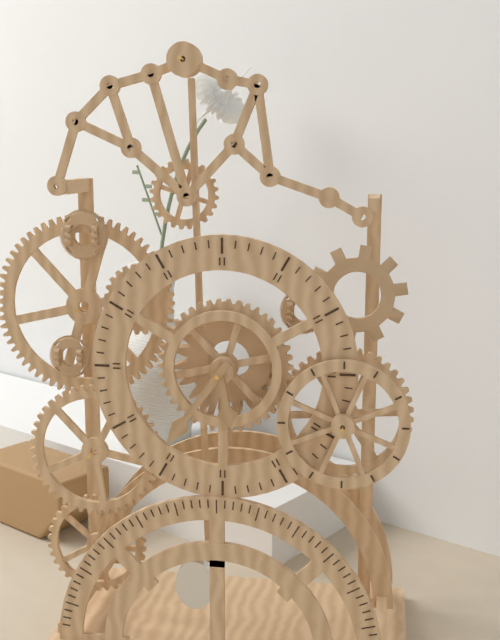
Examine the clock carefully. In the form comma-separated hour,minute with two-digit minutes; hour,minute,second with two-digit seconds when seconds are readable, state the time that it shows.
5,36
